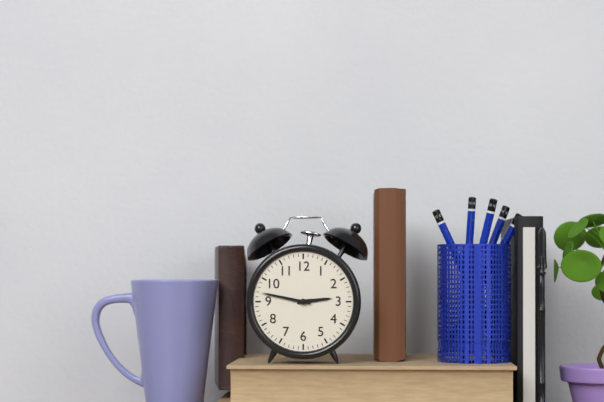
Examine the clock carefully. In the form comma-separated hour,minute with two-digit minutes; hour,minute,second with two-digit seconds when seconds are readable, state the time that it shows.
2,47
